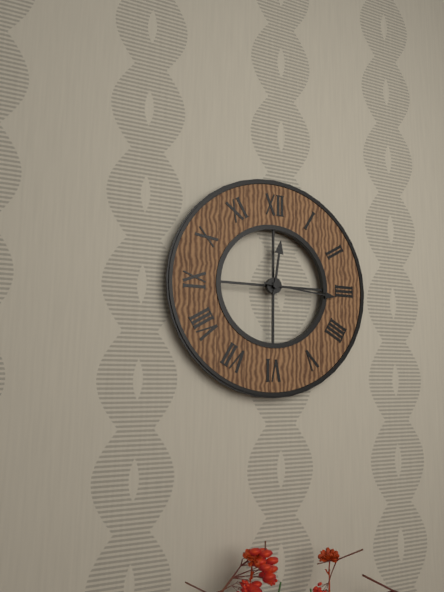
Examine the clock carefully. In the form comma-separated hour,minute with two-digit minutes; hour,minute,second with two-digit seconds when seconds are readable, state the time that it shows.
12,16
